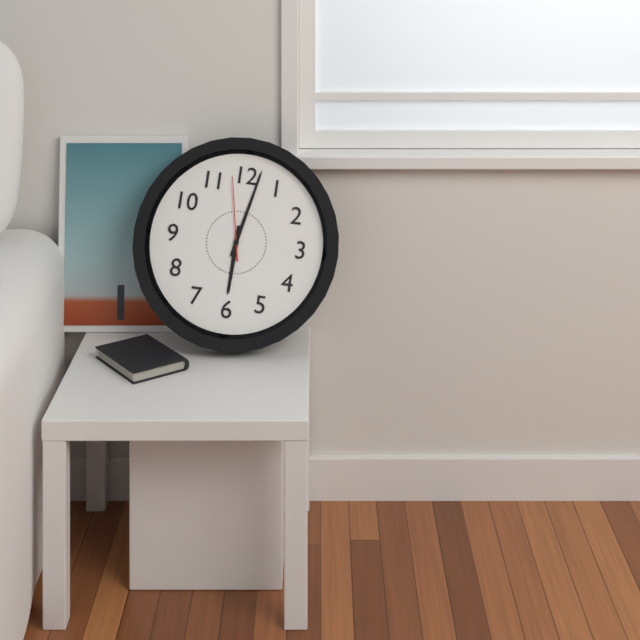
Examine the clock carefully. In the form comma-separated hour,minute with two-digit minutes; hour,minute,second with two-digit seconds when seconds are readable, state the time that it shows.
6,02,58
